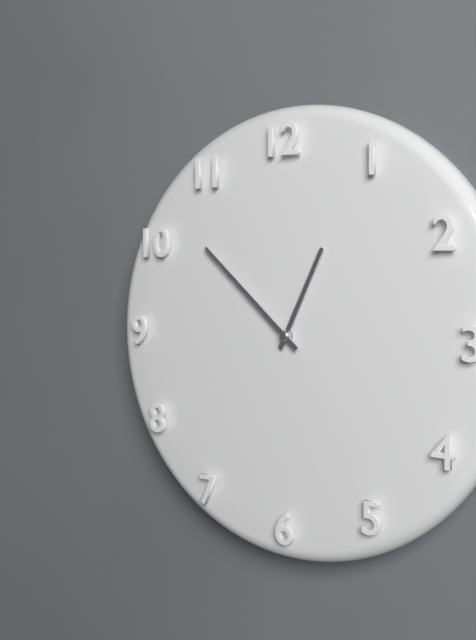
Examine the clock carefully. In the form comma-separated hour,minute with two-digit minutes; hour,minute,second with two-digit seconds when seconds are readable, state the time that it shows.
12,52
